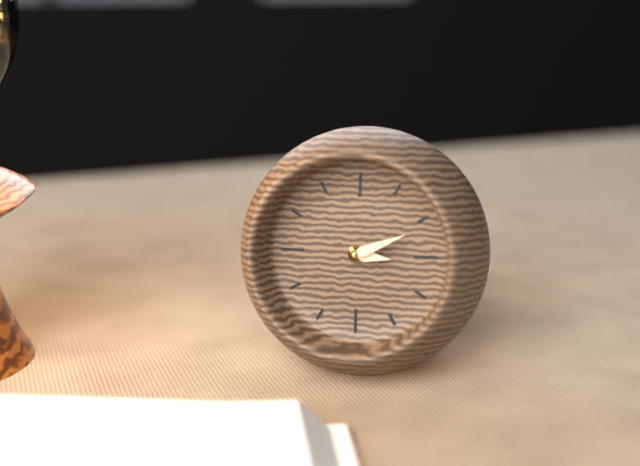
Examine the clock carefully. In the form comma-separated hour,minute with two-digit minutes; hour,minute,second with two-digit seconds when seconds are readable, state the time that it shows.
3,11
